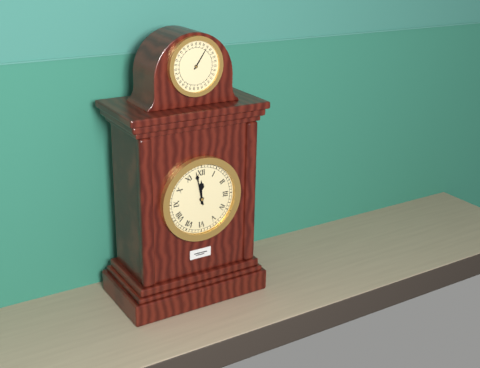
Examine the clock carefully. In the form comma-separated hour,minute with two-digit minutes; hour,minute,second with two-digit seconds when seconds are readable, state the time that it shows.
11,58
